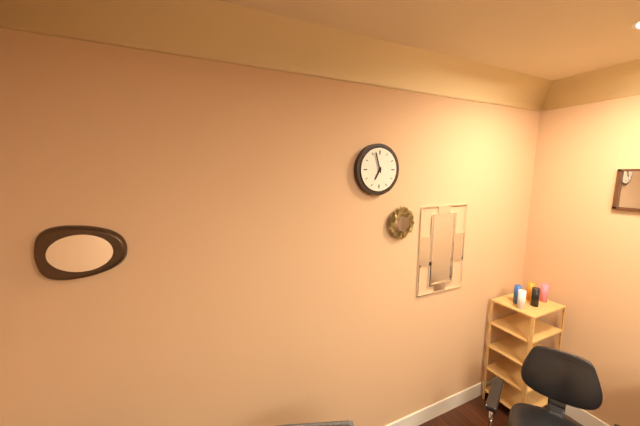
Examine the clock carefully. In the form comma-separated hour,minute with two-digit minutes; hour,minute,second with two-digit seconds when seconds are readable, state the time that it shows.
6,57
